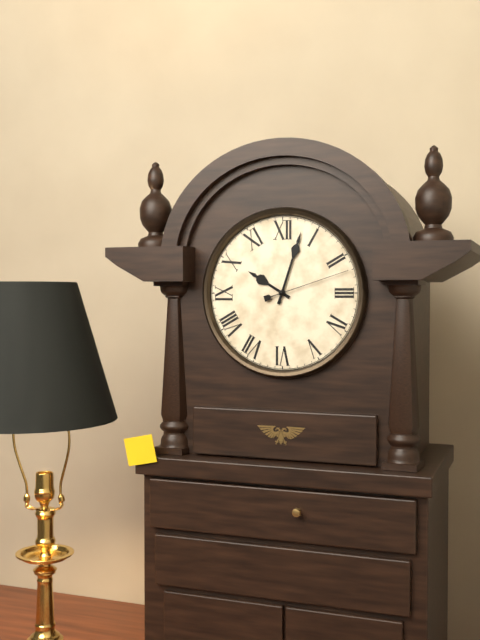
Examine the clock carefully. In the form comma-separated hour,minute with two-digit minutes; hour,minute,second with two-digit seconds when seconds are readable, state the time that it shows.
10,03,12
